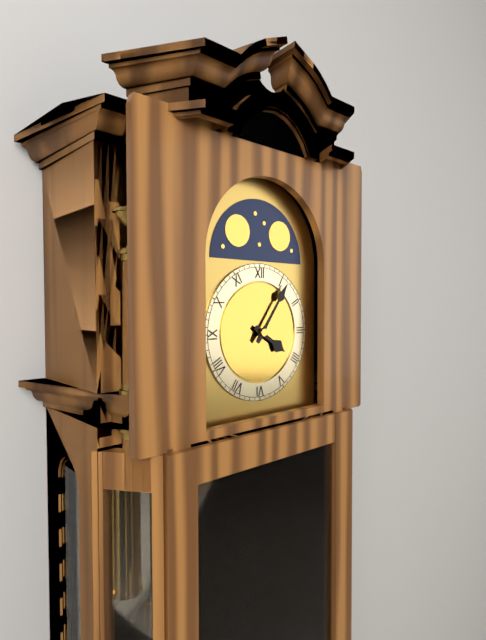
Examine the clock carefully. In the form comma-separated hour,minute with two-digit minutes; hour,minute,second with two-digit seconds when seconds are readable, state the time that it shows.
4,06
